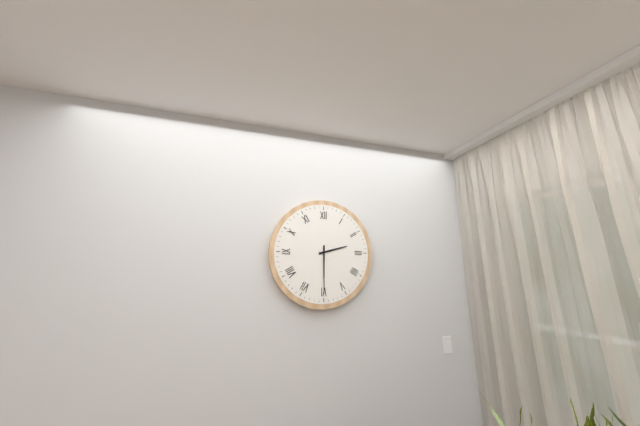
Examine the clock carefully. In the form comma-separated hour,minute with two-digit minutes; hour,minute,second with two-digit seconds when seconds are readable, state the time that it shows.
2,30
